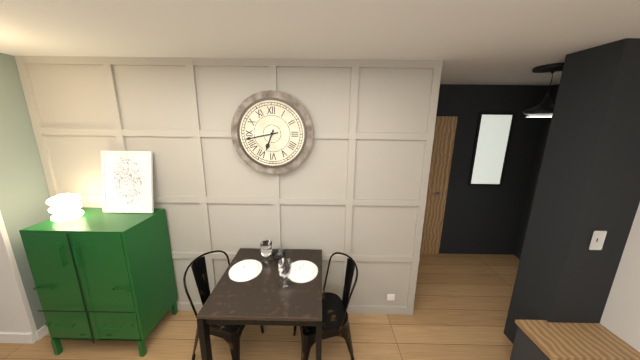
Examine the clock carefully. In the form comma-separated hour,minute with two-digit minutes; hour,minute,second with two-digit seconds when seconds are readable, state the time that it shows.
6,43
